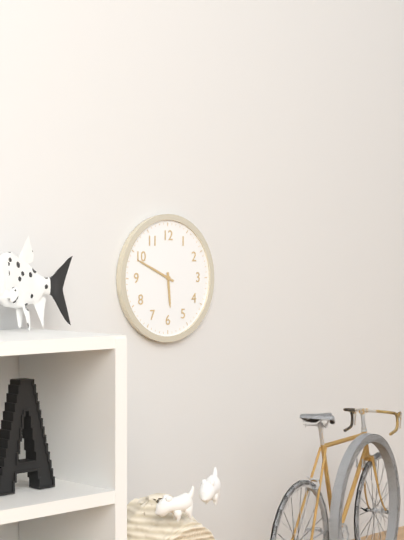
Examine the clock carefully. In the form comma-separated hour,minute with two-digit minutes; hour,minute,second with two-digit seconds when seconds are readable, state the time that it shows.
5,49
